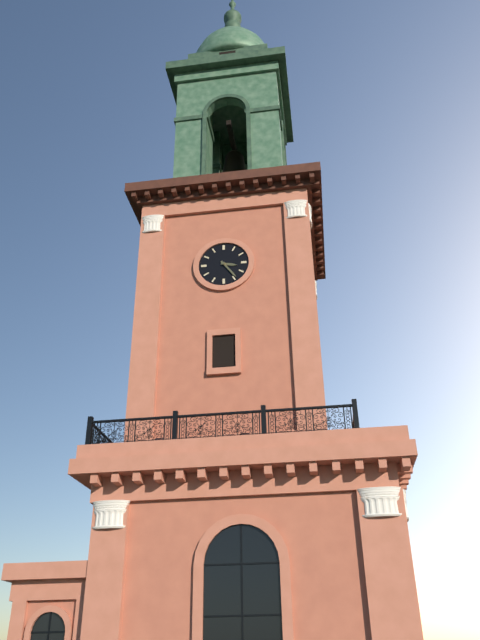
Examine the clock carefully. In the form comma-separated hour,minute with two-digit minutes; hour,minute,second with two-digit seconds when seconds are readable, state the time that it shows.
3,24
